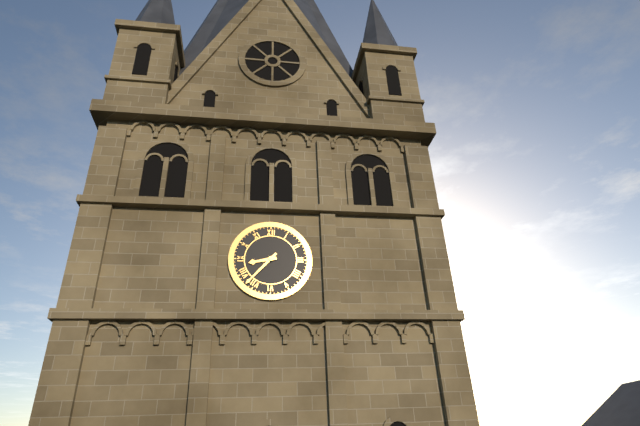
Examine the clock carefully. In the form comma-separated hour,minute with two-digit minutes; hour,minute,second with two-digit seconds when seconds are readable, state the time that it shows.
8,37
